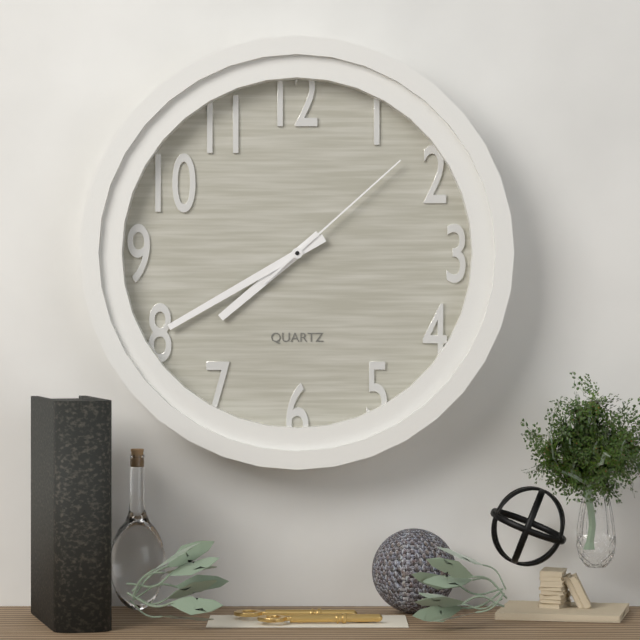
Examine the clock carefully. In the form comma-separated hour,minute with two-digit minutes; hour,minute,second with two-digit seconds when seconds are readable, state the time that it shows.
7,40,08
